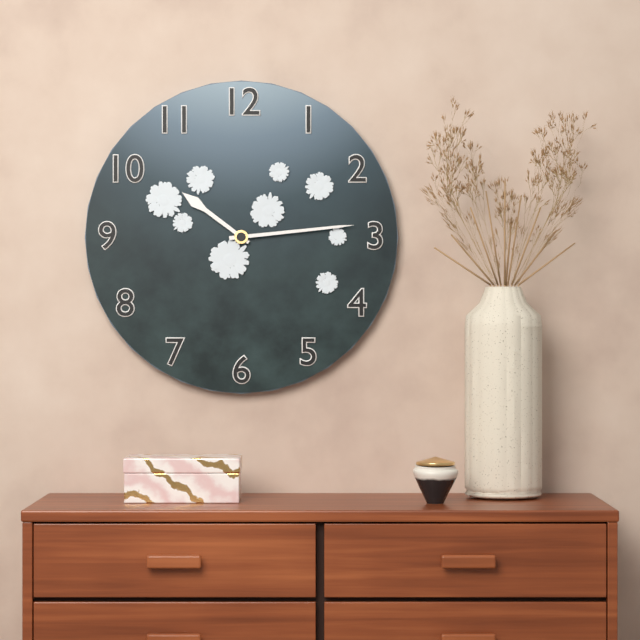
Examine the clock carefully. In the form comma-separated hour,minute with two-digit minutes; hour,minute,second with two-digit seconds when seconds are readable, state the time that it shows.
10,14
